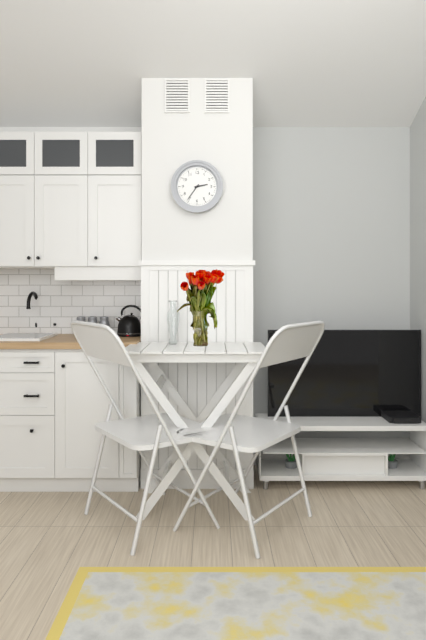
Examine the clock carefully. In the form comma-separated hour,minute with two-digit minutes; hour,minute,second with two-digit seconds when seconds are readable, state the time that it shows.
2,36
